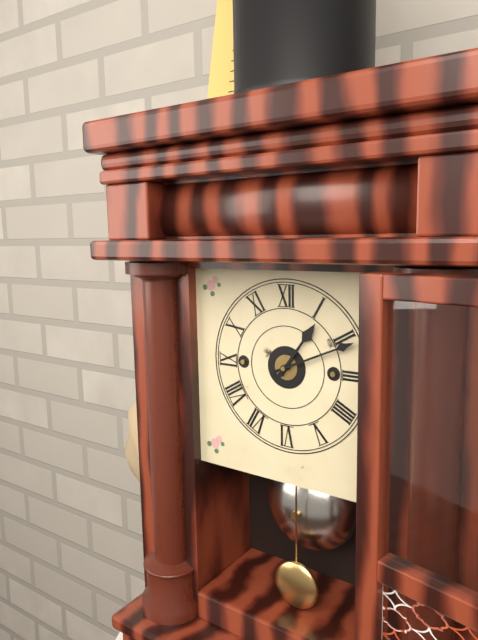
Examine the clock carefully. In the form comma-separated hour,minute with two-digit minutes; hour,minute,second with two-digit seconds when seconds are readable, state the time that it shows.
1,11
